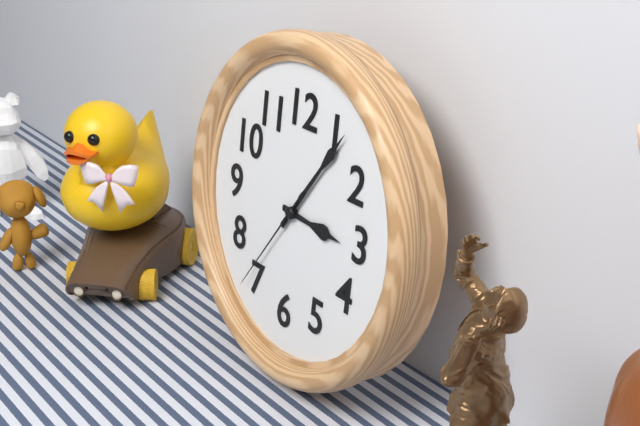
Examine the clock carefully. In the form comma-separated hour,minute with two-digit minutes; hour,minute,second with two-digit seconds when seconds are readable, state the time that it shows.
3,06,36
